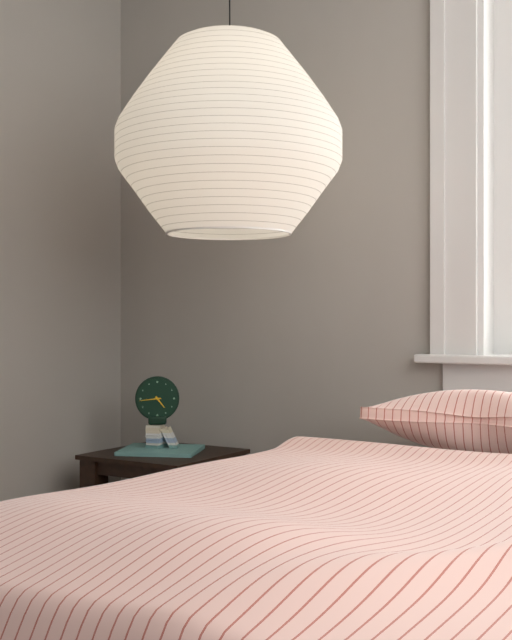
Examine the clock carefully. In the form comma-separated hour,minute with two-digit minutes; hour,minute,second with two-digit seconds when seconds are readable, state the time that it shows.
4,44
